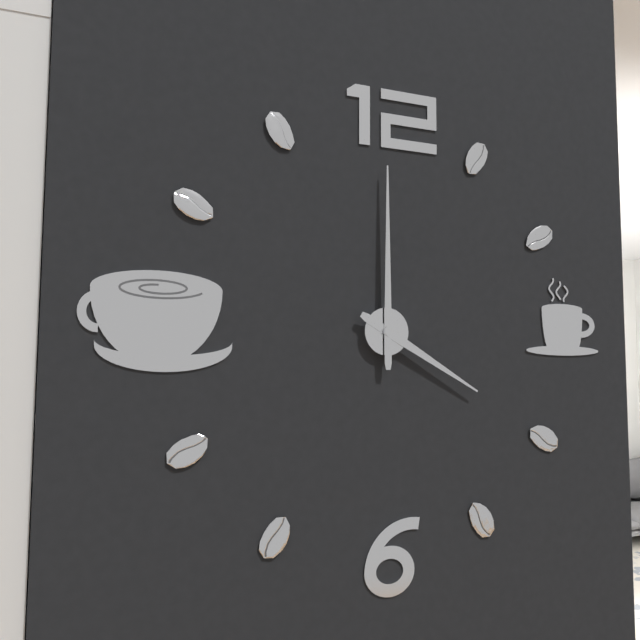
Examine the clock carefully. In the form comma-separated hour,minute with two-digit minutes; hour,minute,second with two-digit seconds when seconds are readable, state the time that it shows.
4,00
